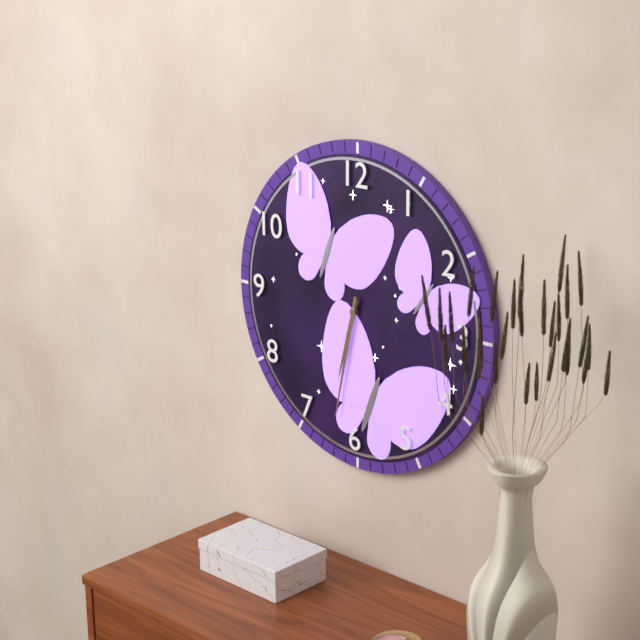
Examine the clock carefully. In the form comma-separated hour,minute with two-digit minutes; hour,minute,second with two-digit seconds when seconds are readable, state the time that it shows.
6,32
